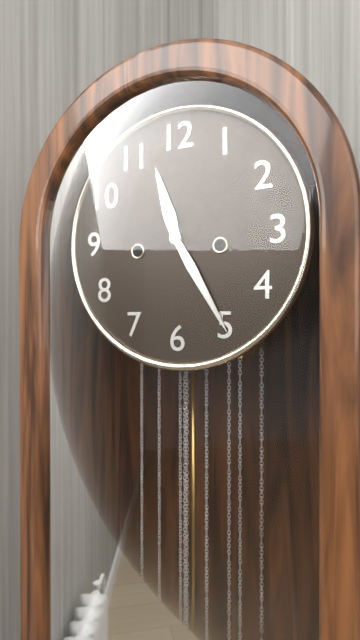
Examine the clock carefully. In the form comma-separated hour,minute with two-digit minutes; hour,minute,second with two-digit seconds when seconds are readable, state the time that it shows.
11,25
